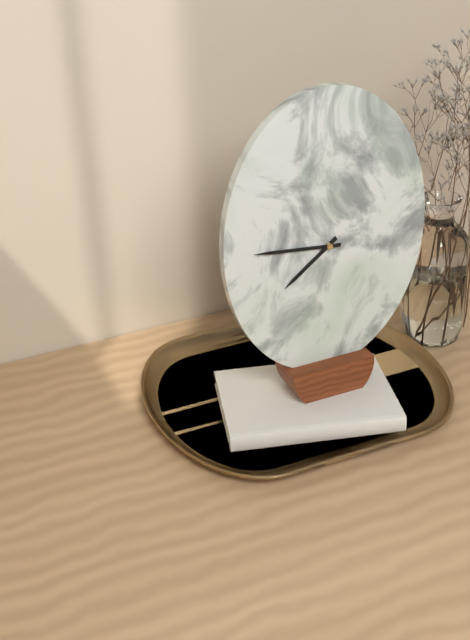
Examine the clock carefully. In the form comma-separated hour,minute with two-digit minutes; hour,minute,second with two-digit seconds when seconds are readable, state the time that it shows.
7,46
